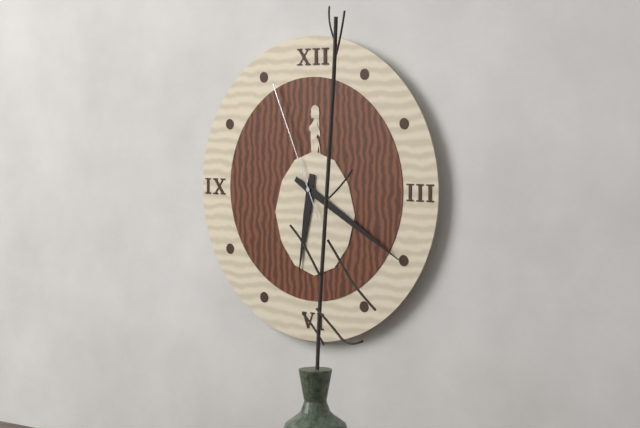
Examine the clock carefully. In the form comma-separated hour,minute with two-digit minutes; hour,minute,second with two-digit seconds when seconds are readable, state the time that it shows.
6,20,56
